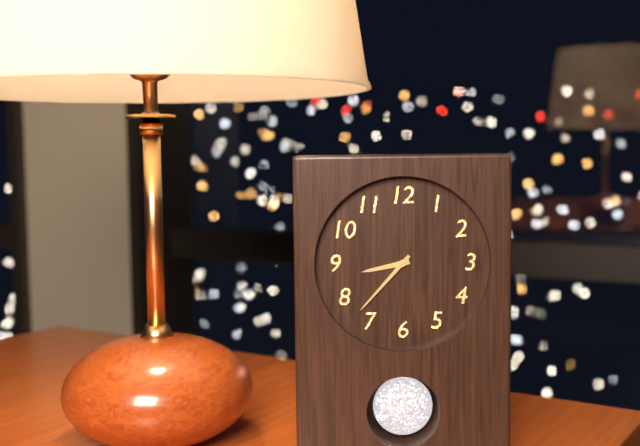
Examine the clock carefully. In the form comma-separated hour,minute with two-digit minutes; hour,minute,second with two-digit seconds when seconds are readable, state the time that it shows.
8,37
